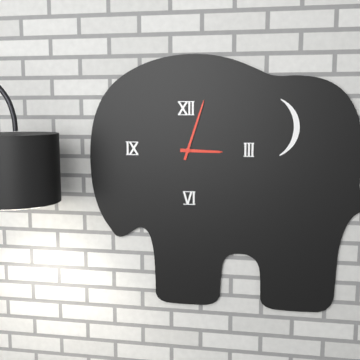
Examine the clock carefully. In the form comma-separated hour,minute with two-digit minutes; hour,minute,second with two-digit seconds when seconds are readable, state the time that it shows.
3,03
